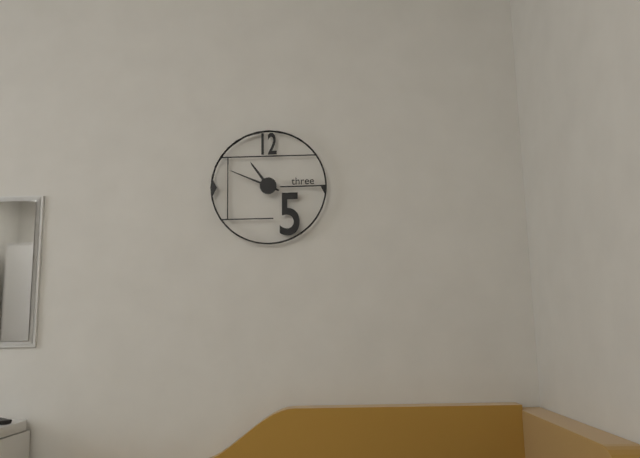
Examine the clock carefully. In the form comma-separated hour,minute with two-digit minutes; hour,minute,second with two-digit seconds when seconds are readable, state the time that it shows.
10,49
